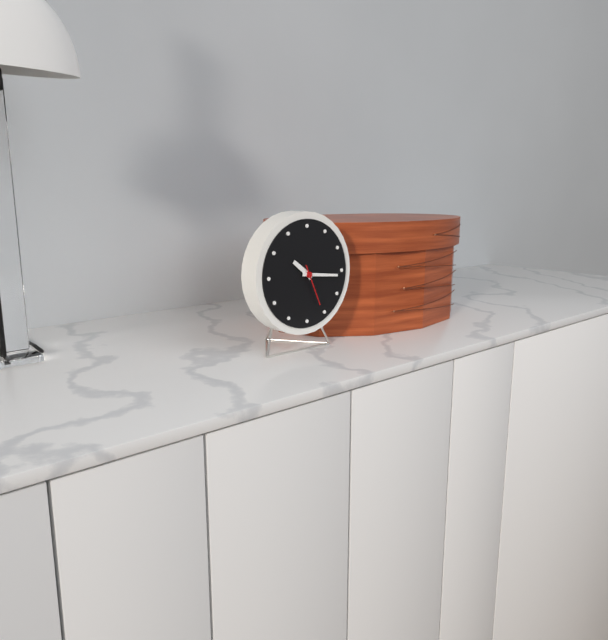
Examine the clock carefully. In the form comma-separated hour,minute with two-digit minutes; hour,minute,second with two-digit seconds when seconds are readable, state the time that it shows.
10,16
